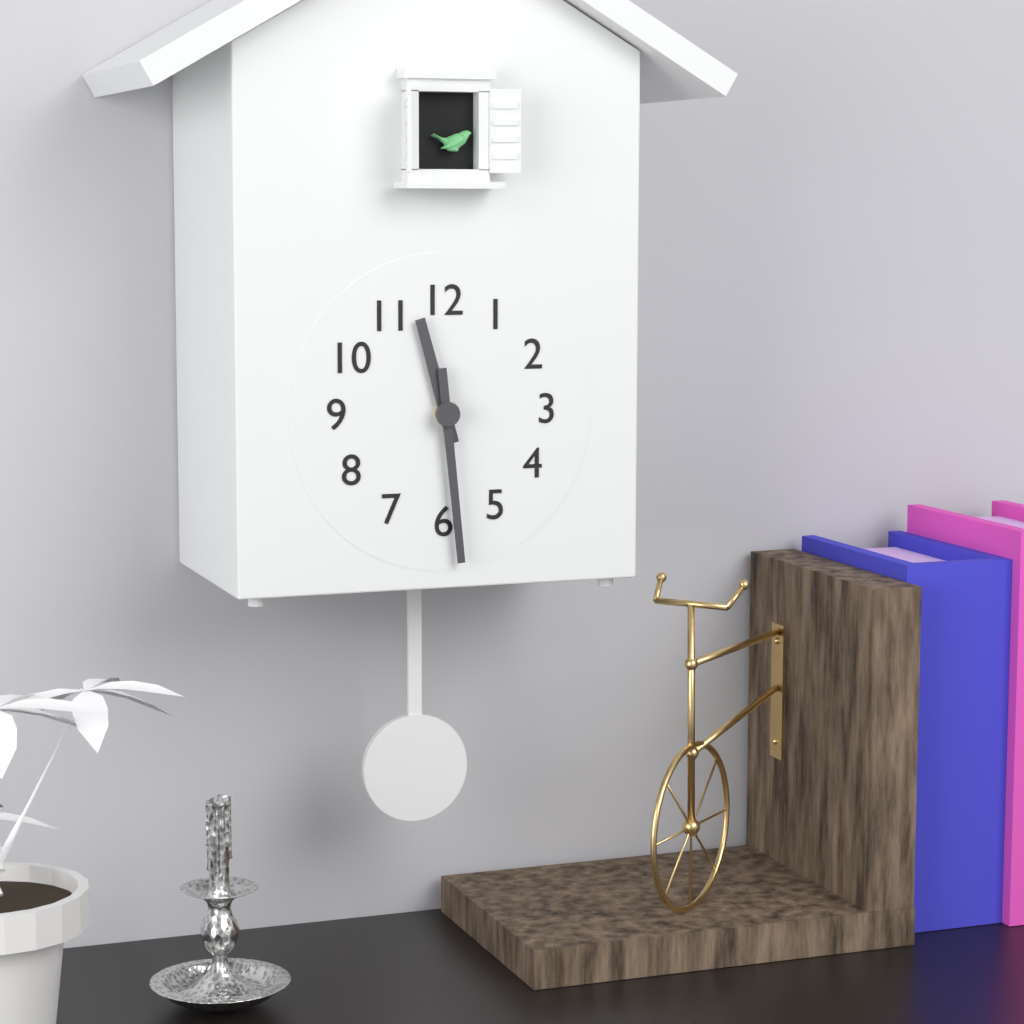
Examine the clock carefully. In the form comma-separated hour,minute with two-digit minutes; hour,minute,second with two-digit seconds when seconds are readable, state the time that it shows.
11,29
